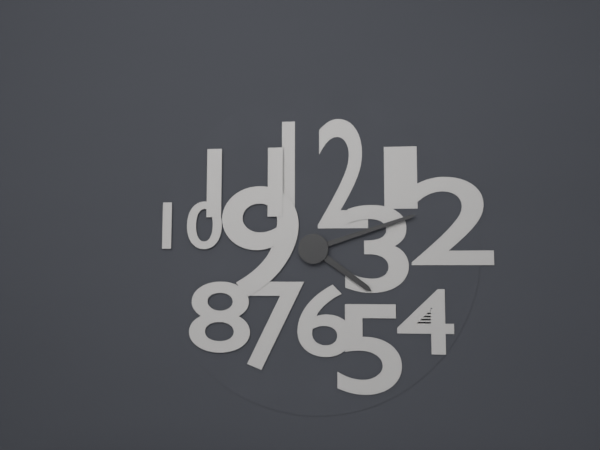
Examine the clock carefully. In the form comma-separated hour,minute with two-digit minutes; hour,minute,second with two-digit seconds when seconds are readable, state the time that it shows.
4,12
